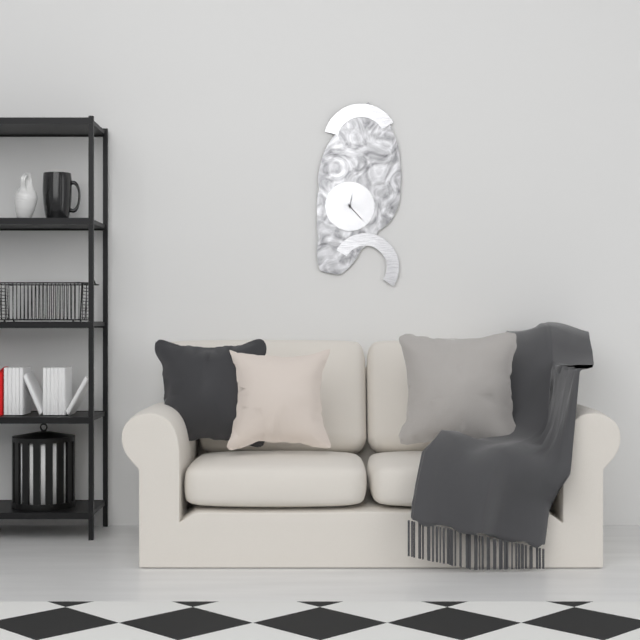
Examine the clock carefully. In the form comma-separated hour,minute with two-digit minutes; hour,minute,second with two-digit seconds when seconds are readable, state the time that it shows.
12,23
